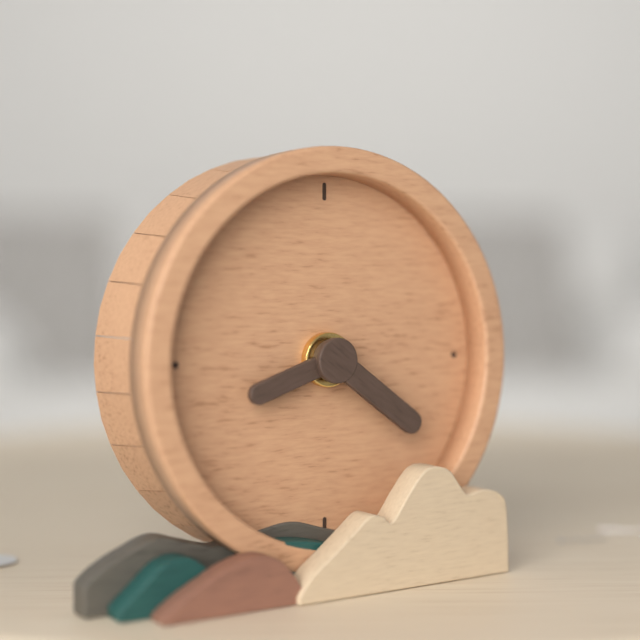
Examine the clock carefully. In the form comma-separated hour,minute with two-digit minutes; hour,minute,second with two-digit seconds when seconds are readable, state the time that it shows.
8,21
